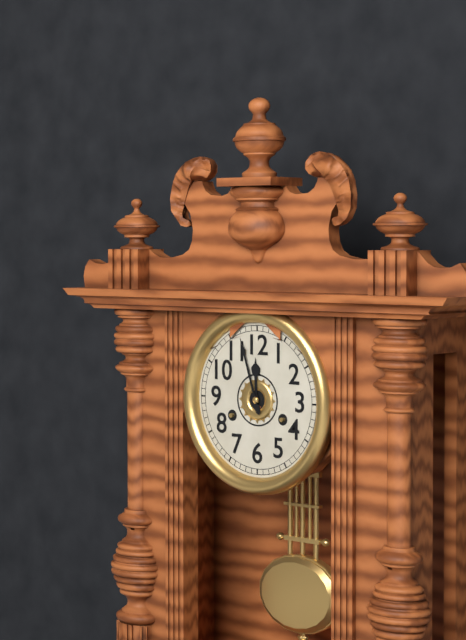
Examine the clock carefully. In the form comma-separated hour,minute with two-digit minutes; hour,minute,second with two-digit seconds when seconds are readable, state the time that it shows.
11,57
